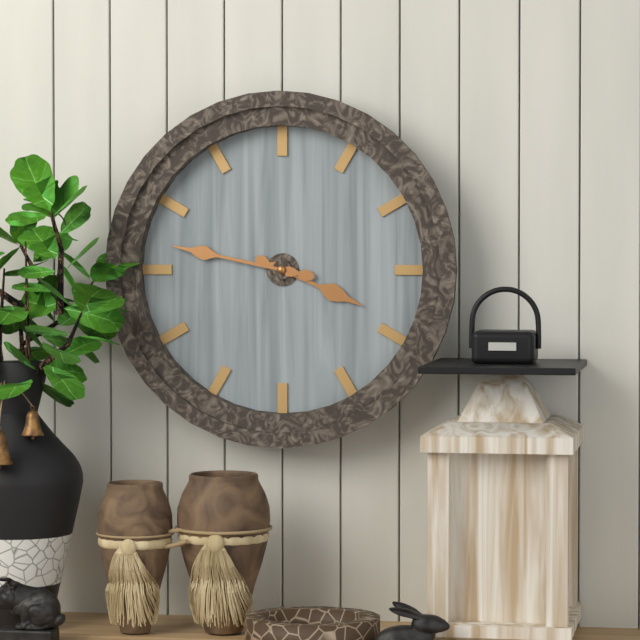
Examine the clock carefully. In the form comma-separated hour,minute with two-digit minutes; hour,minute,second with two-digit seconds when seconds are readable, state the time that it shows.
3,47
